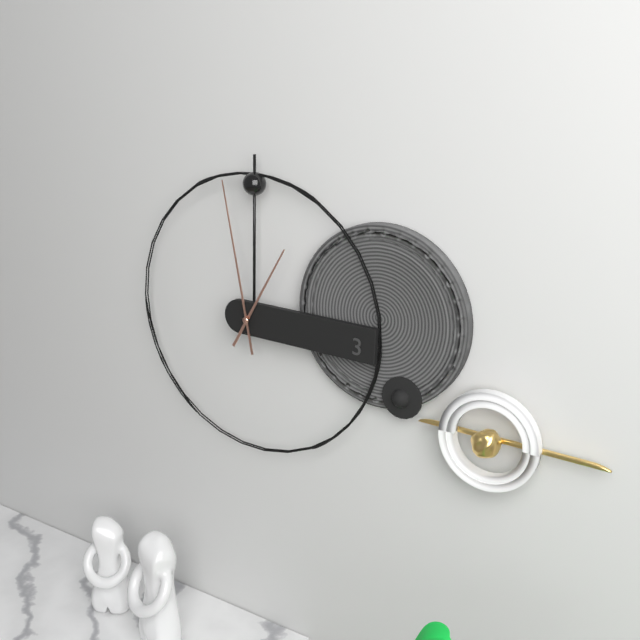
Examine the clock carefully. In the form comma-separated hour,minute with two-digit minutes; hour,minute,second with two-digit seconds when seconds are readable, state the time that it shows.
12,58
